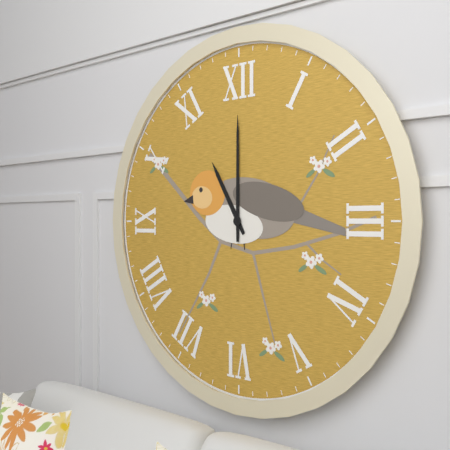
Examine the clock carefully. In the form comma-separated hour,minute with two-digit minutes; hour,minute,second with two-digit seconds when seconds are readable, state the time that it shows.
11,00
